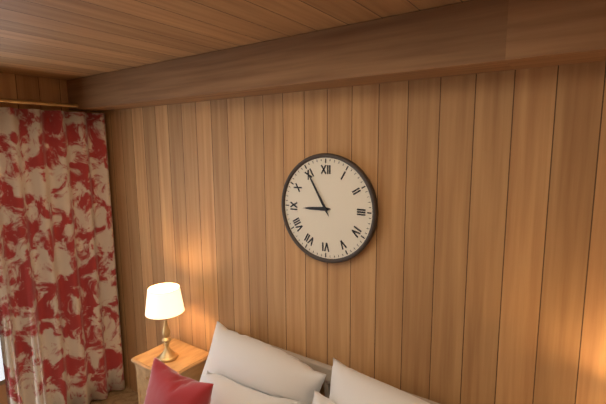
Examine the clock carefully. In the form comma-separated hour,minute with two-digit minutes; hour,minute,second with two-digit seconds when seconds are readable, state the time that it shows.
8,55
